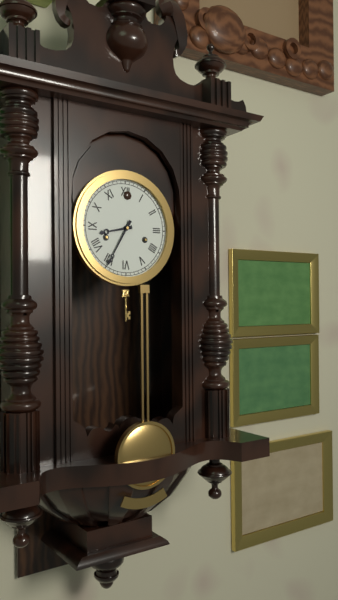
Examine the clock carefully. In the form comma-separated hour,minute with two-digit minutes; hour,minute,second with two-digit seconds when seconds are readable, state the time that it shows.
8,35
